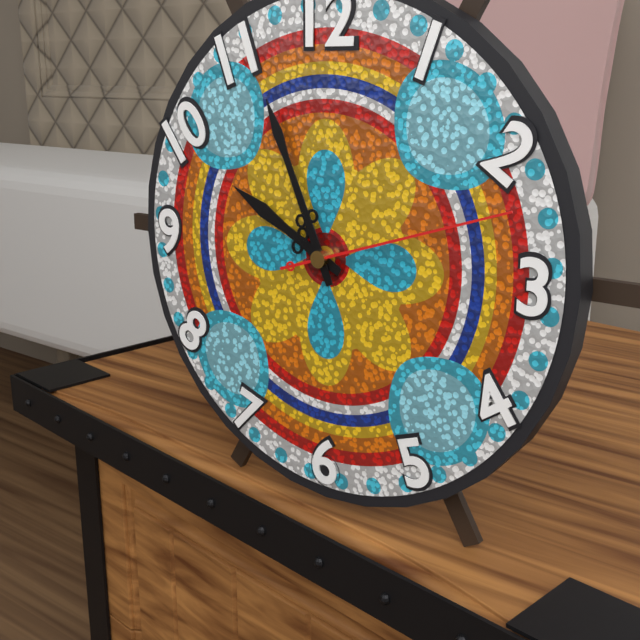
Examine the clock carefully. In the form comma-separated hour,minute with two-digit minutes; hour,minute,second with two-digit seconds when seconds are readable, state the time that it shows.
9,56,12
